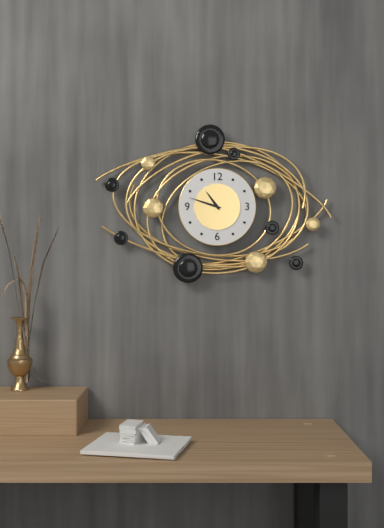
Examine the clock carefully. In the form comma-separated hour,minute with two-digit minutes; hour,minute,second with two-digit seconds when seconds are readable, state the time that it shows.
10,48
